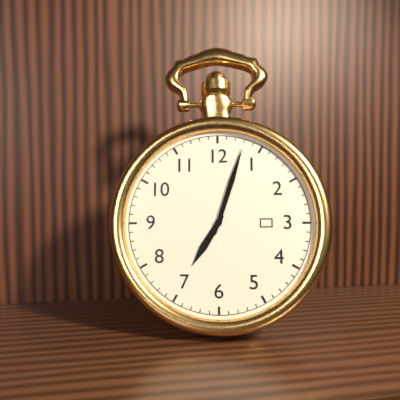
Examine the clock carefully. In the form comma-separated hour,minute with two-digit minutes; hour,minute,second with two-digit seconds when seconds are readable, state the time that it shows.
7,03
